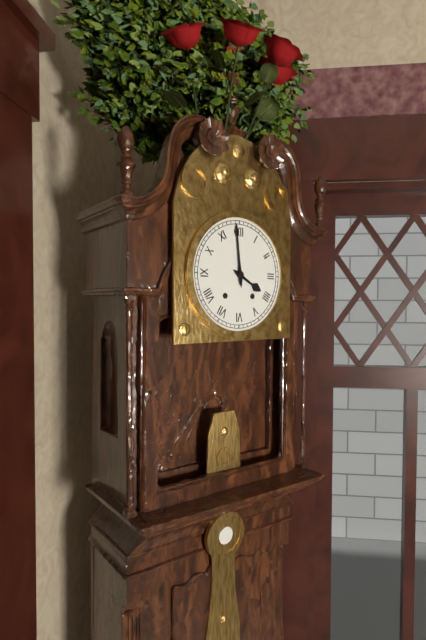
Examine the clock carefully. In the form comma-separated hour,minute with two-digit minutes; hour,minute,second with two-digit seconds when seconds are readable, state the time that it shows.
3,59
